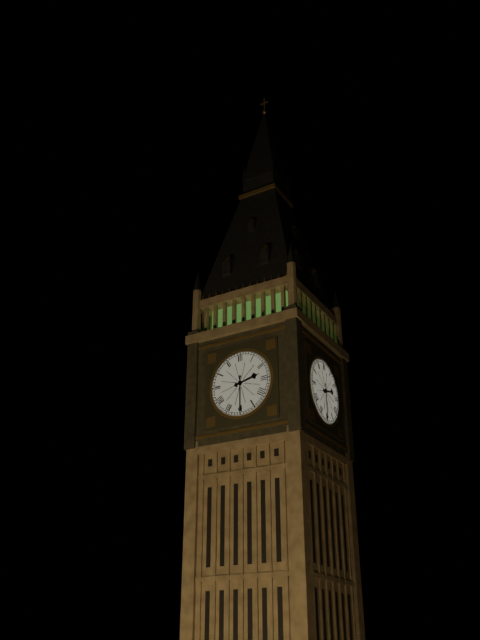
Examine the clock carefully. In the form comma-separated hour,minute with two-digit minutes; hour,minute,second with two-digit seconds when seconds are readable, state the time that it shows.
2,30
